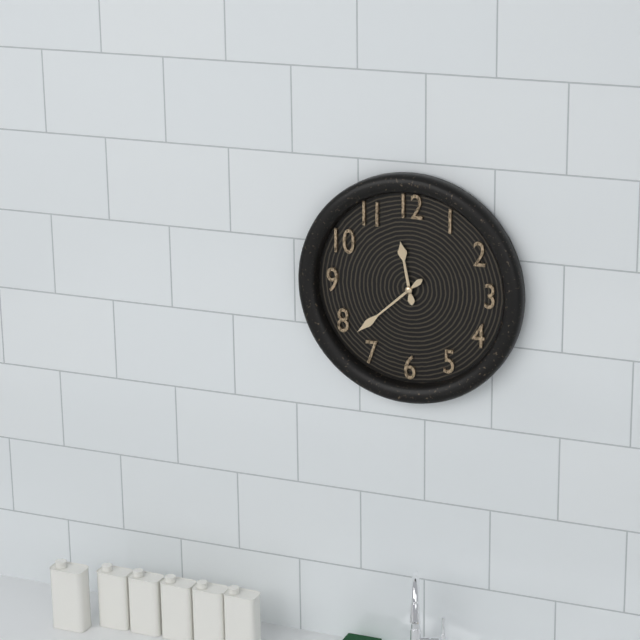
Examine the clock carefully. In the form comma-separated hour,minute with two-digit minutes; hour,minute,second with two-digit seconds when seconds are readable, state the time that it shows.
11,38
